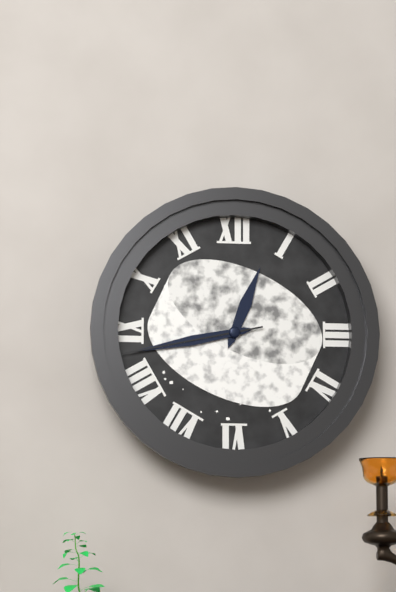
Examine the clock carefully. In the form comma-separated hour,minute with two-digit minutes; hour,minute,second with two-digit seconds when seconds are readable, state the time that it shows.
12,43,43
